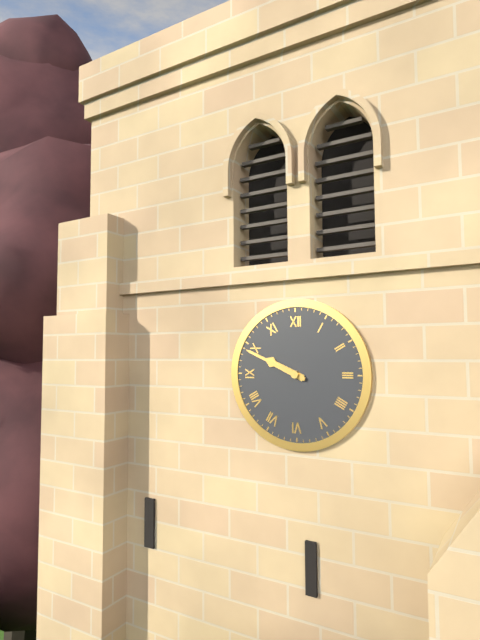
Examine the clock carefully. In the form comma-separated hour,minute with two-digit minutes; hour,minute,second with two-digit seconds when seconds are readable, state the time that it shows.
9,49
